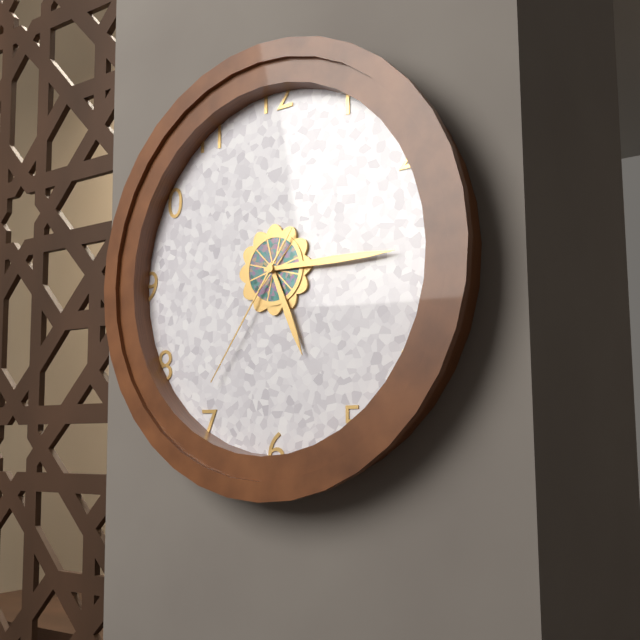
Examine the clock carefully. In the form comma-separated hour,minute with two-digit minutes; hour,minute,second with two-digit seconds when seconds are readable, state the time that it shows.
5,15,36
